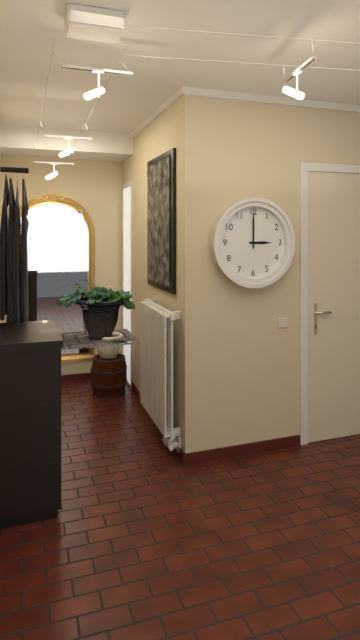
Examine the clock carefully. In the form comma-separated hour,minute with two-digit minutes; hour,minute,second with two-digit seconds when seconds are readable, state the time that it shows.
3,00
